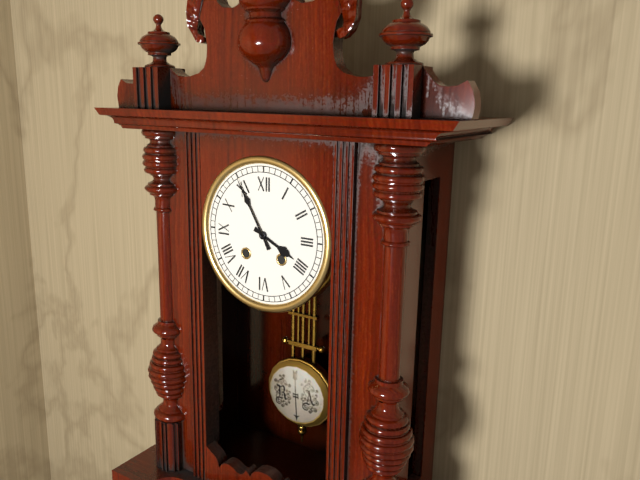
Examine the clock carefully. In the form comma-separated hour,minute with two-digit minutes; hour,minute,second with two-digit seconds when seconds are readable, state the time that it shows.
3,55
